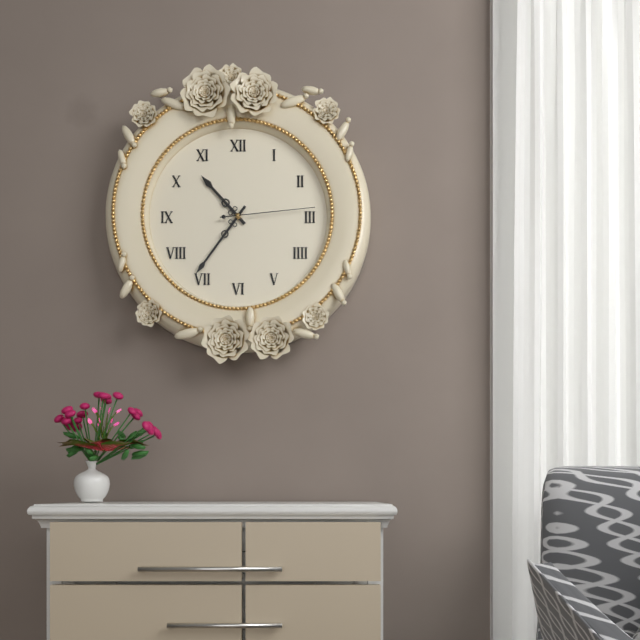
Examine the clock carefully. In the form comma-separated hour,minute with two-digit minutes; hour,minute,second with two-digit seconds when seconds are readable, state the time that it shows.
10,36,14
